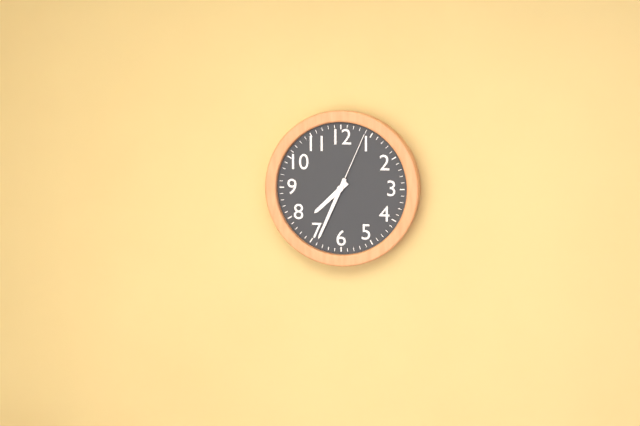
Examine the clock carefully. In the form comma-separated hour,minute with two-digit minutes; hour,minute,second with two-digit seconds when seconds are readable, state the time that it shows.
7,34,04
